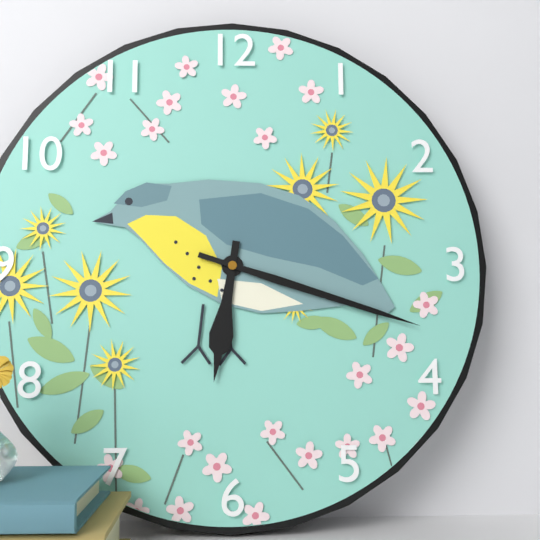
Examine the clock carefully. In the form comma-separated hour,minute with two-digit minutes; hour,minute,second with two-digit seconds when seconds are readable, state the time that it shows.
6,18
